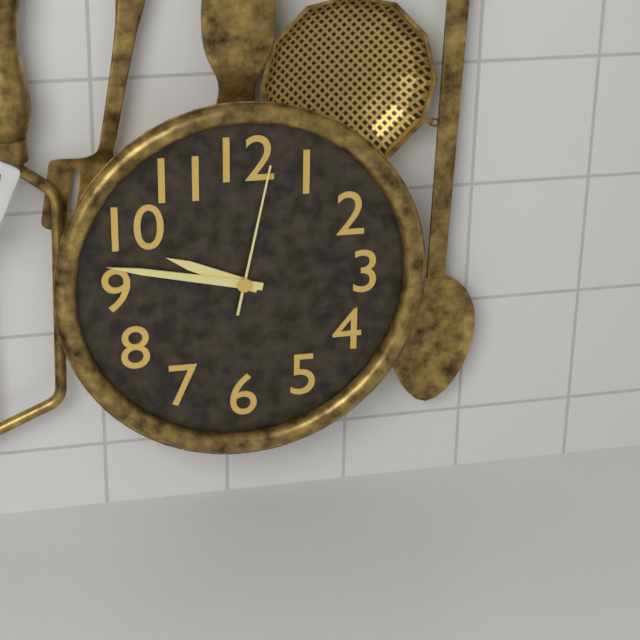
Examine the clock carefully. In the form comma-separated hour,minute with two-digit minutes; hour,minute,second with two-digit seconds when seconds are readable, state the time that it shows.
9,47,02
